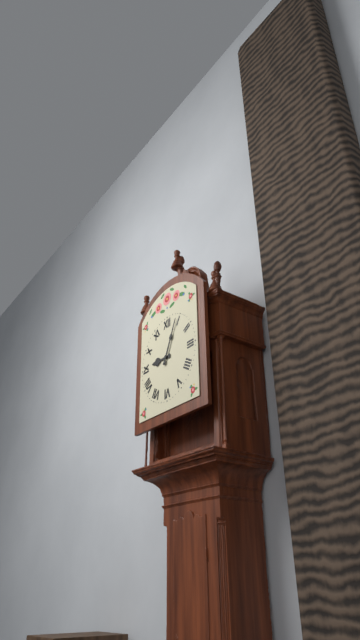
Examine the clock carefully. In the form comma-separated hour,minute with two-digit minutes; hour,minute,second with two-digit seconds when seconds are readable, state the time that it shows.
9,04
